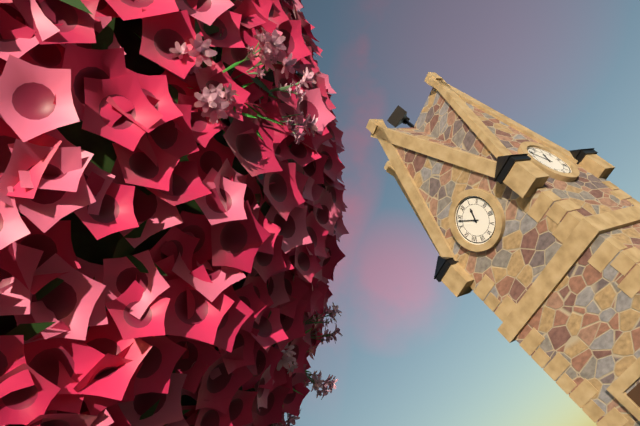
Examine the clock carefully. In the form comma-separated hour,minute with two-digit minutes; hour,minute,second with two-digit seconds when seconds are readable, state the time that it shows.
12,53
